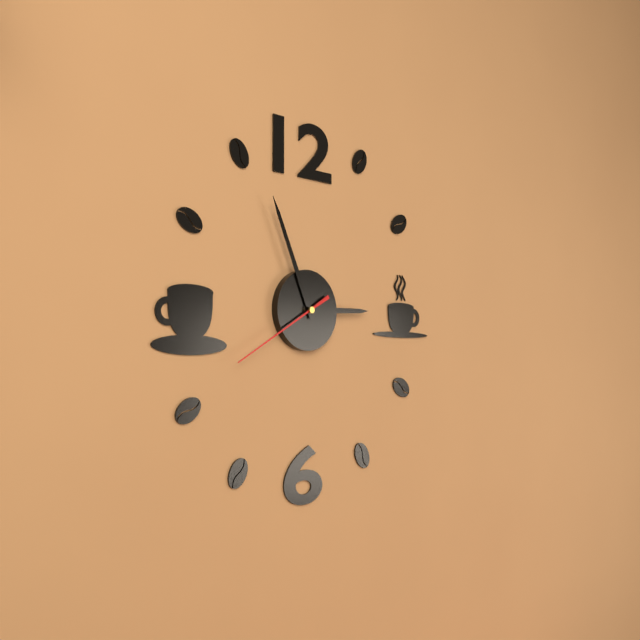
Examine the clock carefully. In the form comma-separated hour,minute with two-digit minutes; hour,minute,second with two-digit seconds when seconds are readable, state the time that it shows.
2,56,40
